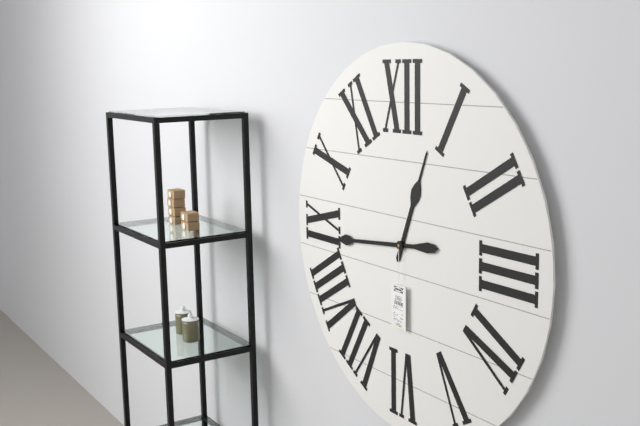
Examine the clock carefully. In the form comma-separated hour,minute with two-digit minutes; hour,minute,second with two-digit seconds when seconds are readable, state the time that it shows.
12,44
